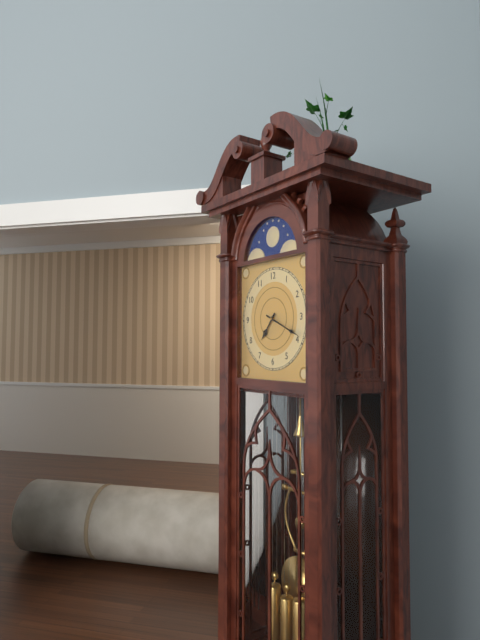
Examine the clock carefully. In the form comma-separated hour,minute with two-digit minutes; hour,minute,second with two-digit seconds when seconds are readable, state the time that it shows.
7,19
